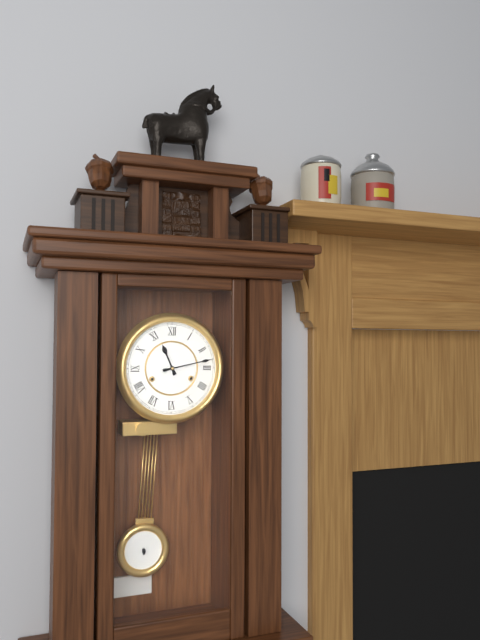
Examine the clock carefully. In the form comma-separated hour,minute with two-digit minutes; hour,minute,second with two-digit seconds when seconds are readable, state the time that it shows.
11,13
